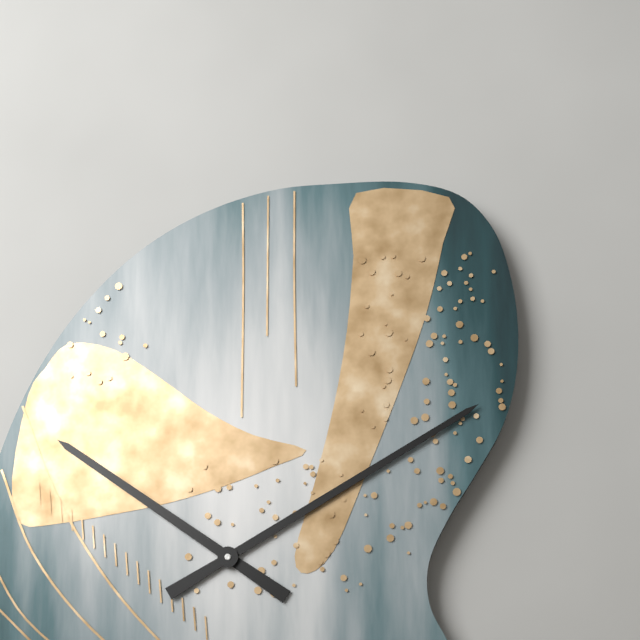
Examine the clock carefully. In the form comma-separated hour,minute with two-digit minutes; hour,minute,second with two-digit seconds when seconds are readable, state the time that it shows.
10,10
